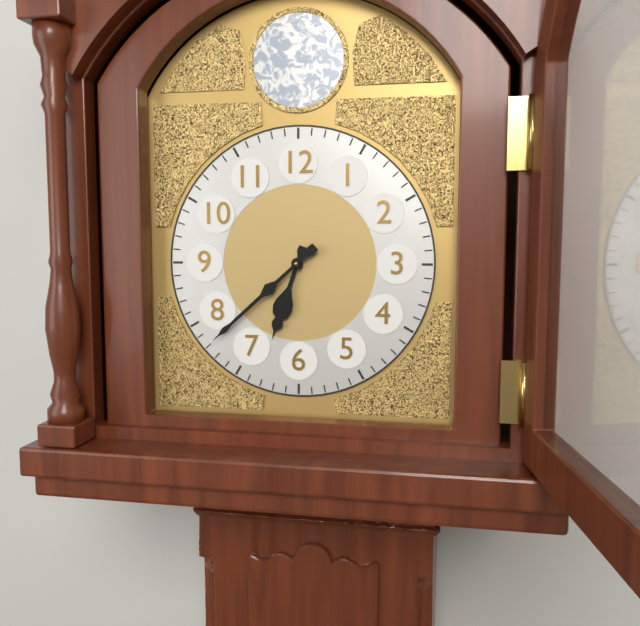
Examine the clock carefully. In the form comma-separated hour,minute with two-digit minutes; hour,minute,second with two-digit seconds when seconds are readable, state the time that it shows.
6,38
